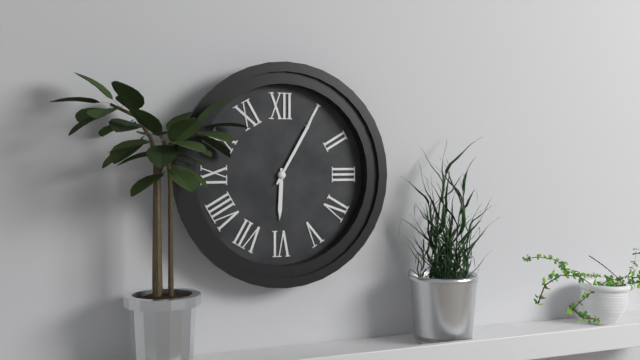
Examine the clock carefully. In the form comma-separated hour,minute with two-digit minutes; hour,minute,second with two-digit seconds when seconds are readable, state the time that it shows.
6,05
